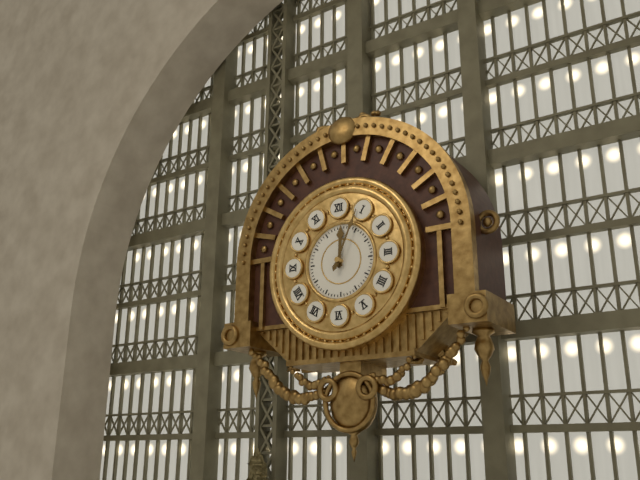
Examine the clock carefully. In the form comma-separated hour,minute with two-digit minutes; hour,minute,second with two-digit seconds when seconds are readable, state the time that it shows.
12,04
